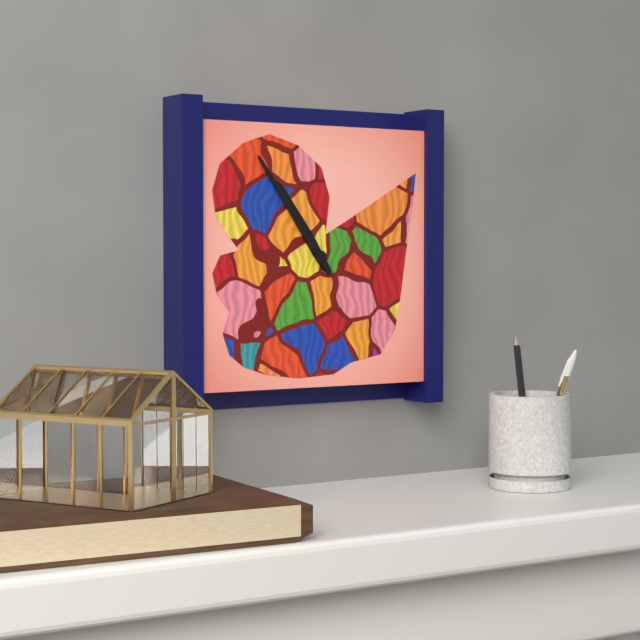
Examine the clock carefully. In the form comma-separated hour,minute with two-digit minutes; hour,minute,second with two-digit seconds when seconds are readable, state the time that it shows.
10,54
